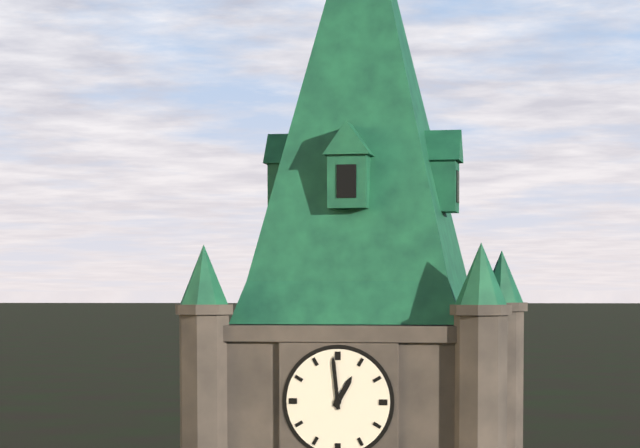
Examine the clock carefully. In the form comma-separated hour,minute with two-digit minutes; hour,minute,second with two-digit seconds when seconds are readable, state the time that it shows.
12,59
